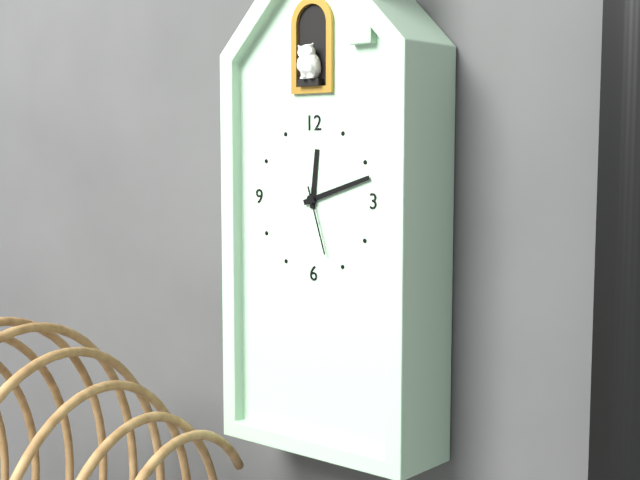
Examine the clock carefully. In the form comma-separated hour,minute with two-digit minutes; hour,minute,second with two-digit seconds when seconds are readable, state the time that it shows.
12,12,27
